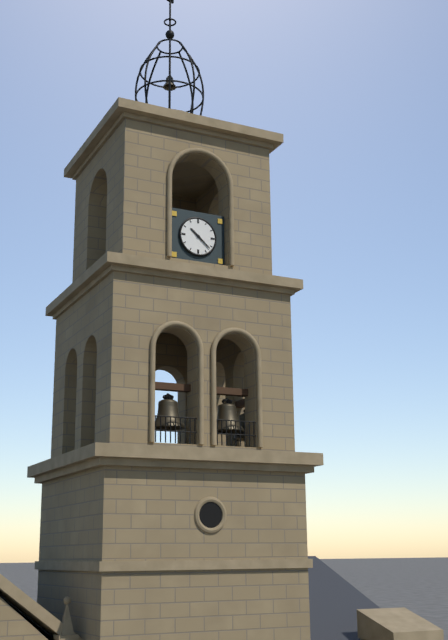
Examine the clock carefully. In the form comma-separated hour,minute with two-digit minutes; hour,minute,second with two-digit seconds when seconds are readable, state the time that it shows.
10,22
